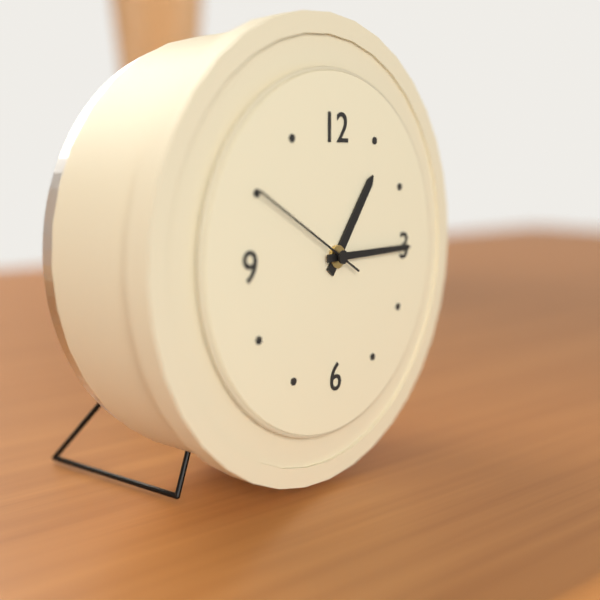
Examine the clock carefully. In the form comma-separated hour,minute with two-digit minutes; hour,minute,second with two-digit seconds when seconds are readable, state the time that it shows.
1,15,50
